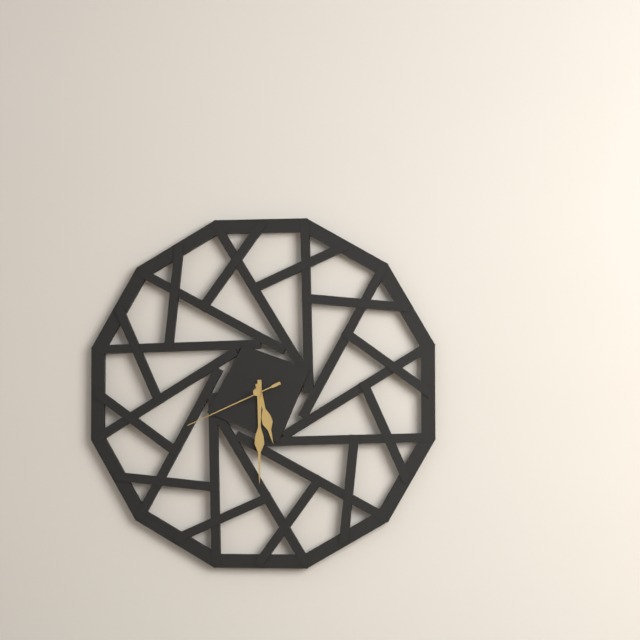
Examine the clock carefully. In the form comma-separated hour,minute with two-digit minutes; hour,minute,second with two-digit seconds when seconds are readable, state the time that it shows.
5,30,41
